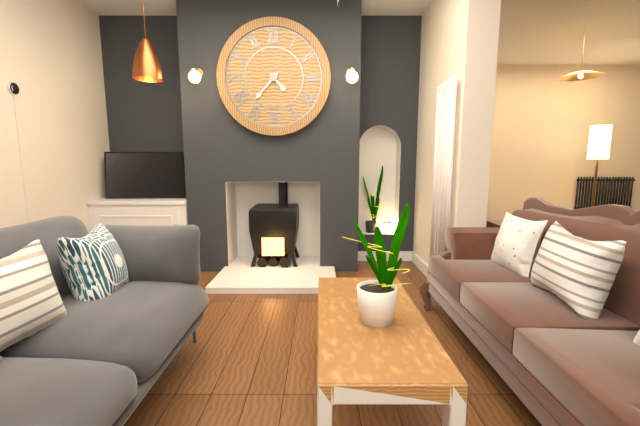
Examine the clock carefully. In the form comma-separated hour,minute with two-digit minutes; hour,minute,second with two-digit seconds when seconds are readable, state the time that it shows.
4,37
